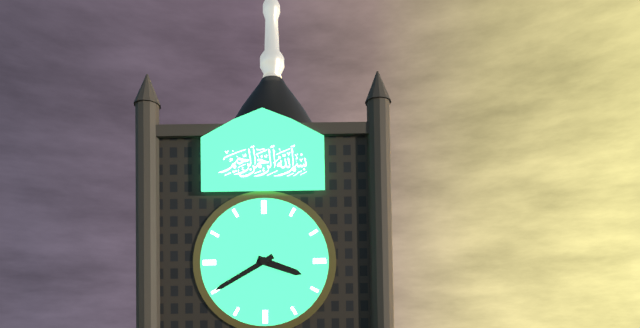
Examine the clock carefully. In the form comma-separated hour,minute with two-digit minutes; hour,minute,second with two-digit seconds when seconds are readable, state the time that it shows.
3,40
